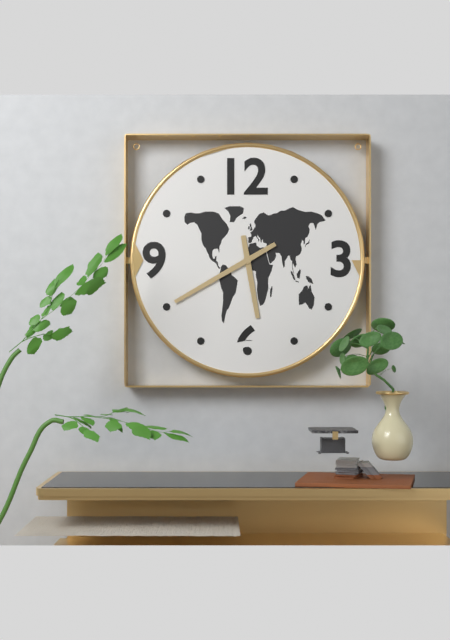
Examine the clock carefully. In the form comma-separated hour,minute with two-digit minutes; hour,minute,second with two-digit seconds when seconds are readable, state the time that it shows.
5,40
